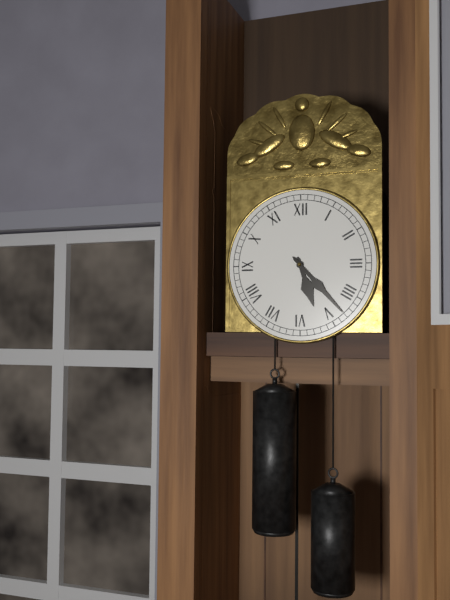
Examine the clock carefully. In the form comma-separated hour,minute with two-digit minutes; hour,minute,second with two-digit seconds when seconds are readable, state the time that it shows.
5,23
